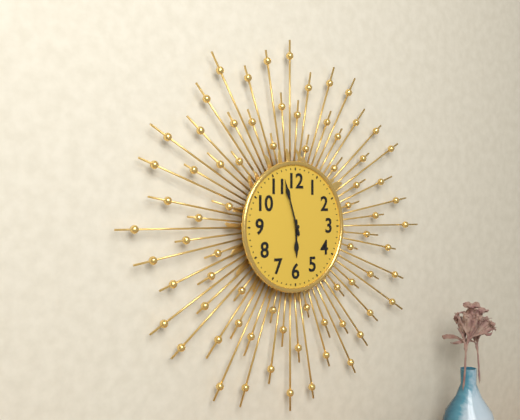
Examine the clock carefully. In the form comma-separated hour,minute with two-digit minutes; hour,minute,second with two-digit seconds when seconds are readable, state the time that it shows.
5,57
